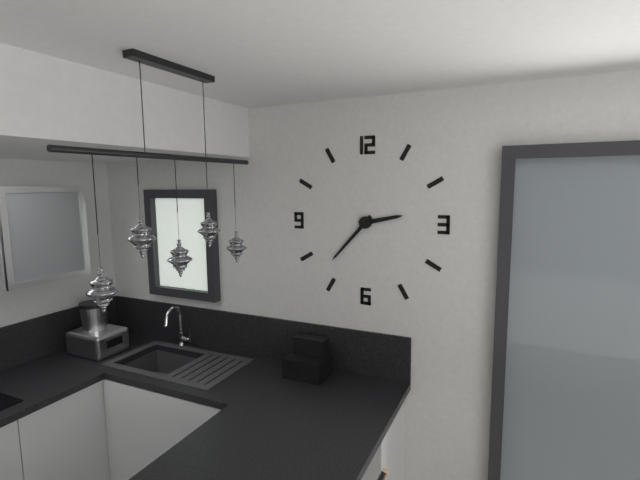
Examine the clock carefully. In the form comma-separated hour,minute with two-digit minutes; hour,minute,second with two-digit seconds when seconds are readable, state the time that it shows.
2,37
